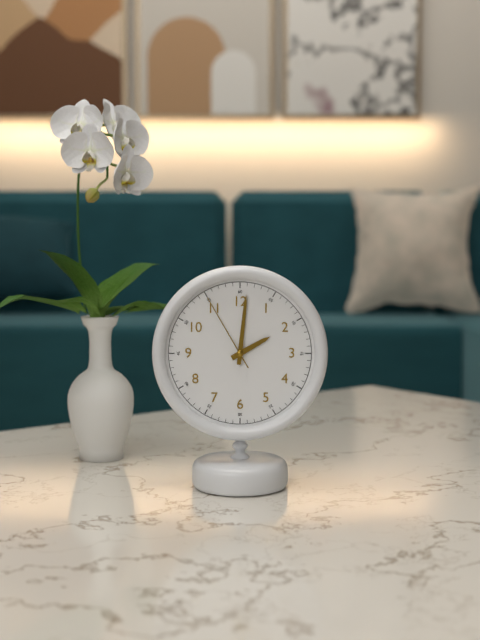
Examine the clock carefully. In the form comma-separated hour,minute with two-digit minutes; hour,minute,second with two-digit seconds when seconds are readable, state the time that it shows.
2,01,55
